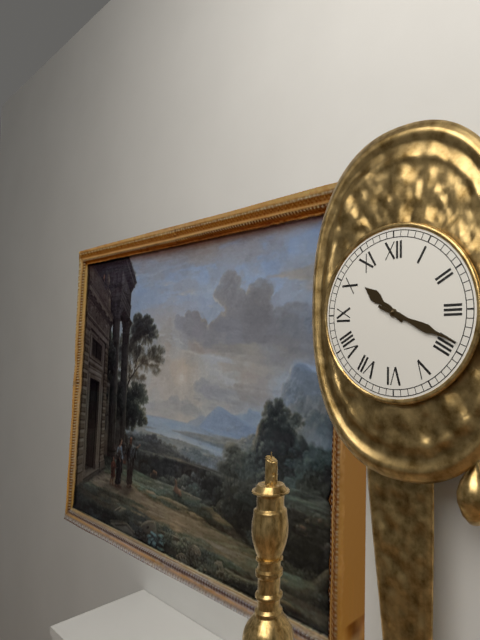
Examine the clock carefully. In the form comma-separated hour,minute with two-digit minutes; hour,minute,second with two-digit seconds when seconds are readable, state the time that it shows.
10,19
